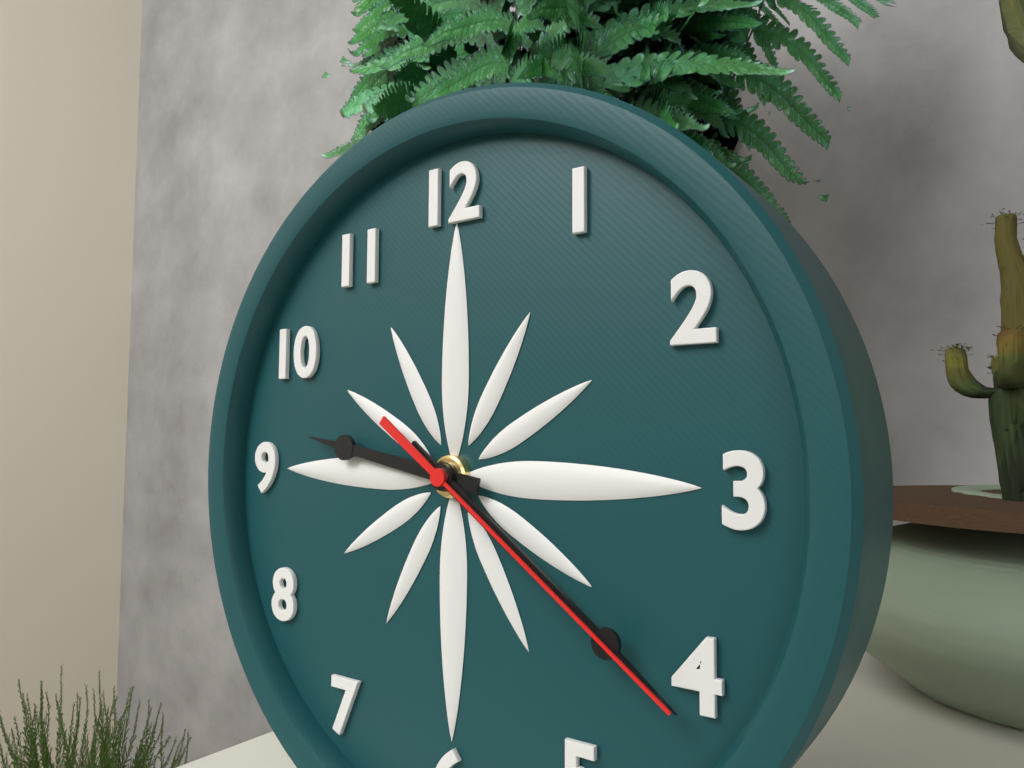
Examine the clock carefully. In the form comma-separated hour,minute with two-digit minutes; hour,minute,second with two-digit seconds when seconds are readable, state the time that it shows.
9,21,21
